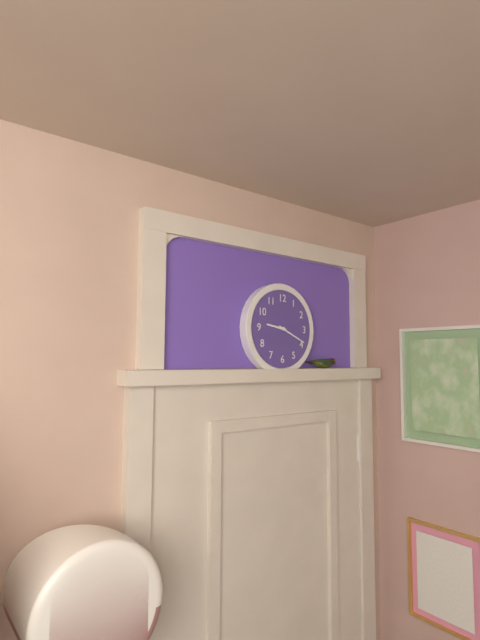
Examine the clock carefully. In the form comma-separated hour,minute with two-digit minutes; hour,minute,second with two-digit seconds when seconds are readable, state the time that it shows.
9,19
